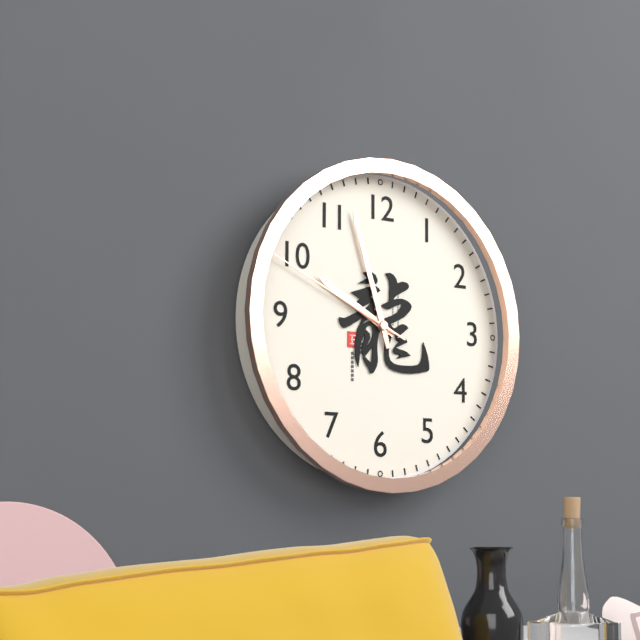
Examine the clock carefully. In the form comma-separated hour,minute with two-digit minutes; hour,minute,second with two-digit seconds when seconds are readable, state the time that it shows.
9,57,49
